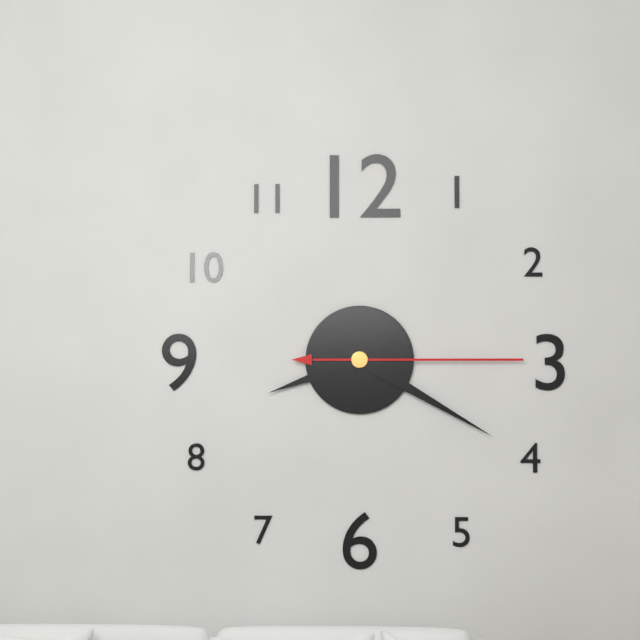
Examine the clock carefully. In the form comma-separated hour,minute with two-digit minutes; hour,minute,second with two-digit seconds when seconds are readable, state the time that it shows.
8,20,15
